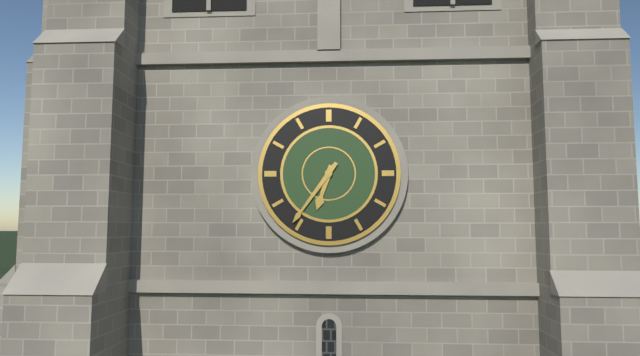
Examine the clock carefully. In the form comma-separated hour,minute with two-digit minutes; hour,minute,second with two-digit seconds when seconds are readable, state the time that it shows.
6,36
